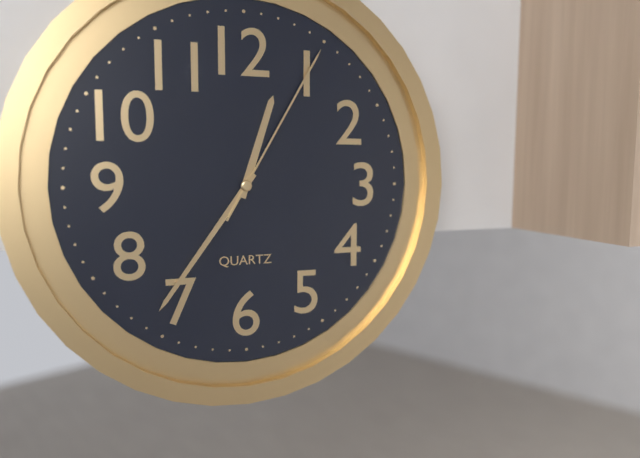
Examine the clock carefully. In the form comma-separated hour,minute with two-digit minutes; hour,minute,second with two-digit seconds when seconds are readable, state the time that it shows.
12,36,05
